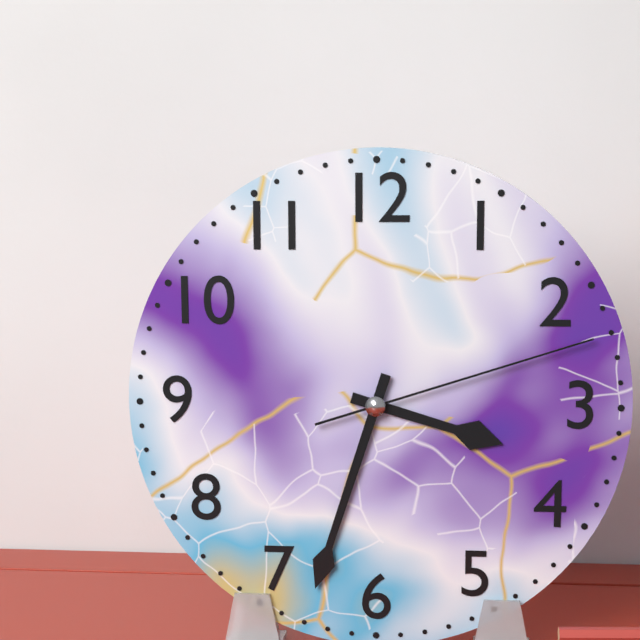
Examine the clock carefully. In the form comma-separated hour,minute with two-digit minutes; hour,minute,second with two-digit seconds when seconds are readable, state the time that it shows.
3,33,12
